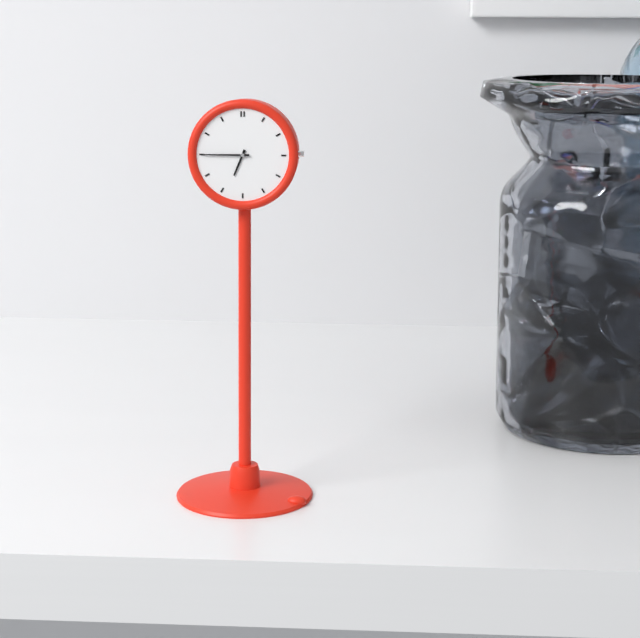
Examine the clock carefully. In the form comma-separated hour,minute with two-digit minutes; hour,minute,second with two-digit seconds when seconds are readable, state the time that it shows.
6,45
